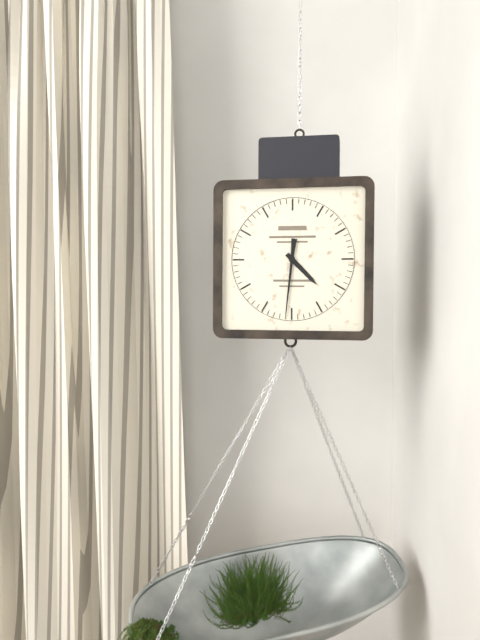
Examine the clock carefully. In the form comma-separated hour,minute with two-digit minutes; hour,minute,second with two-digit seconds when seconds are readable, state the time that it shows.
4,31
